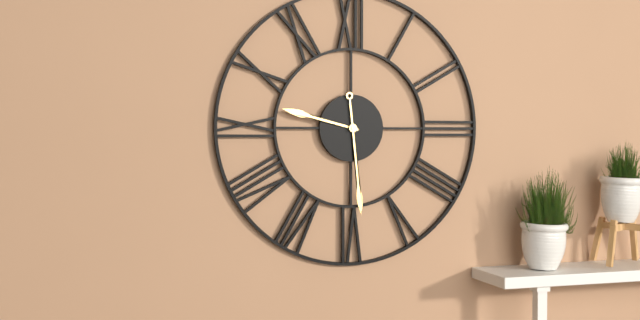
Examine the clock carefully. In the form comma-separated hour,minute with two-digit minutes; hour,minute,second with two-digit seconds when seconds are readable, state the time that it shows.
9,29
